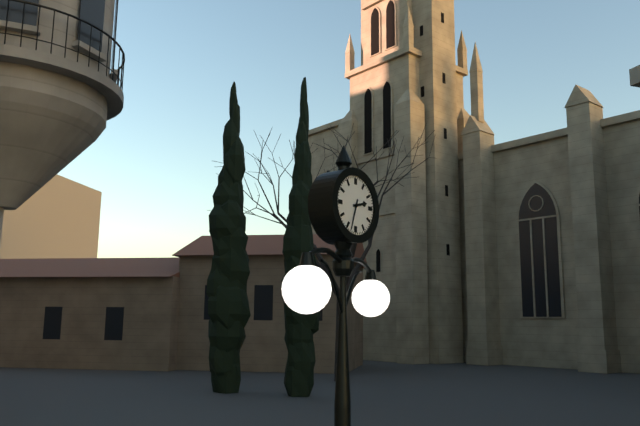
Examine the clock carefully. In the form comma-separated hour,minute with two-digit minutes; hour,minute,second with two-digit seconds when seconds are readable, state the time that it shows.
2,33
